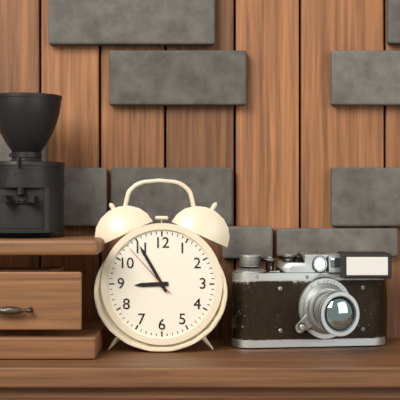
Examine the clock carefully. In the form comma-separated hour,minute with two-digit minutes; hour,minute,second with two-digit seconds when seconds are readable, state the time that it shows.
8,55,53
